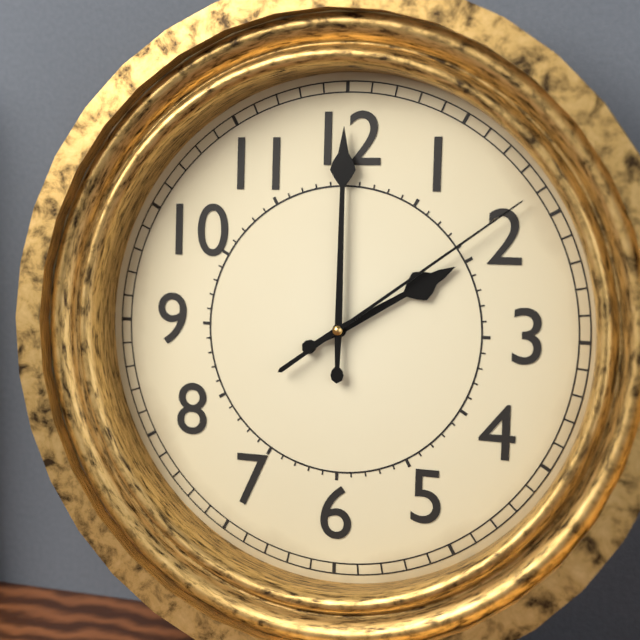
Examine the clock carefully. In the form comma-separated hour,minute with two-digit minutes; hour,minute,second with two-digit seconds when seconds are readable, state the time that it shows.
2,00,09
